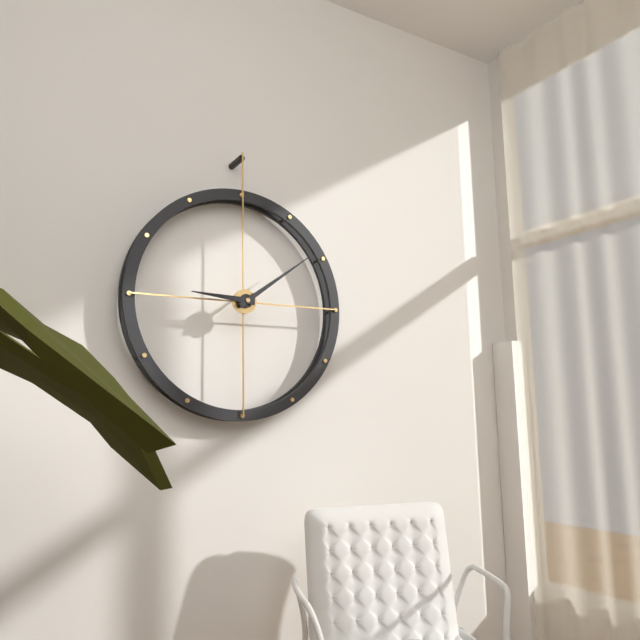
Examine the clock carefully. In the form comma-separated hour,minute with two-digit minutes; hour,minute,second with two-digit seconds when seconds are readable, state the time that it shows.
9,09
